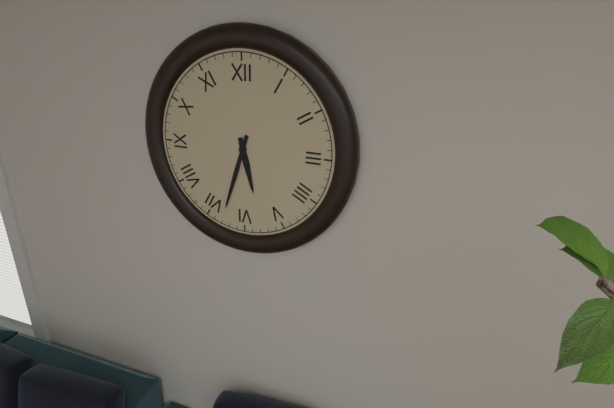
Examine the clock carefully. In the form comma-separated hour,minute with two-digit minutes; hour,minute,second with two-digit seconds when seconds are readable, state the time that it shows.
5,33
